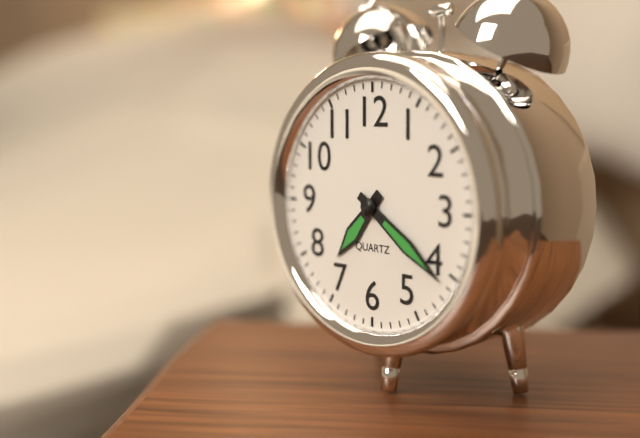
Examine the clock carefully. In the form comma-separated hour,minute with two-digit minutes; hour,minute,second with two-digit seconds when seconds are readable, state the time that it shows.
7,21
